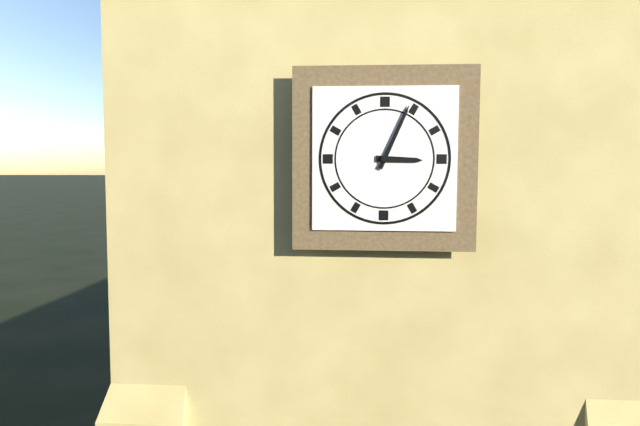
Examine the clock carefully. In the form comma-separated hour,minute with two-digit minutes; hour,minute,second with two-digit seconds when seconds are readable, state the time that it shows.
3,04
